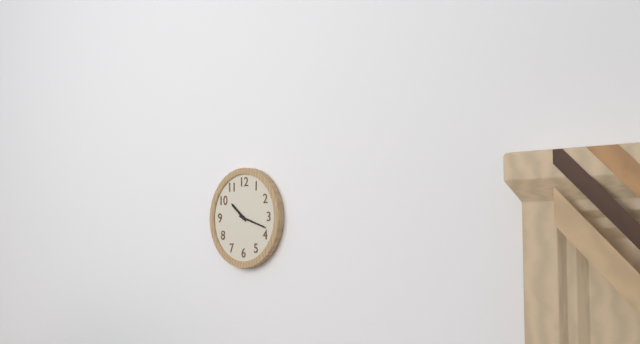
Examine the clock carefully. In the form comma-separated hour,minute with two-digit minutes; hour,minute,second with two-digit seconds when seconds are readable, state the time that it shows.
10,18
